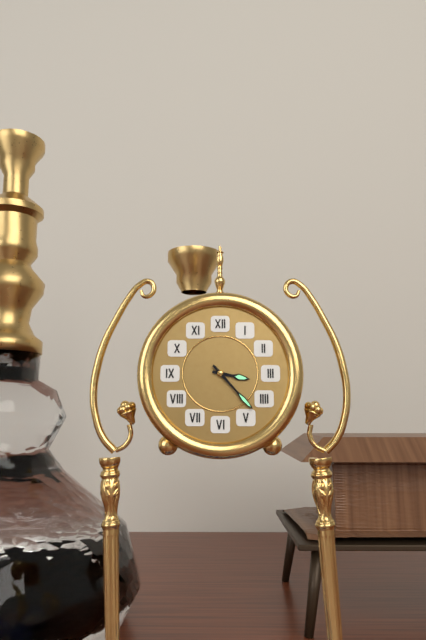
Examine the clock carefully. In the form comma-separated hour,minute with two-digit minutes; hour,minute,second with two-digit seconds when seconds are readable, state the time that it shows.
3,23
